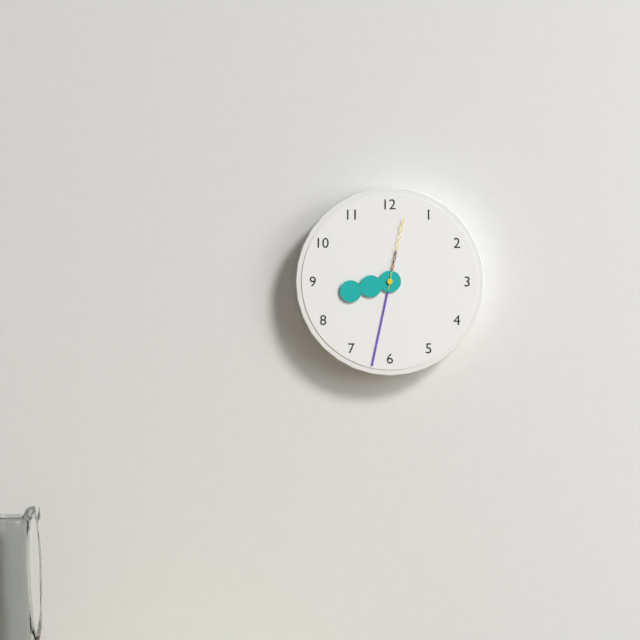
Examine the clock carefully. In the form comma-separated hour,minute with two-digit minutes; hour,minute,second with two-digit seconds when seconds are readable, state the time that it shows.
8,32,02
